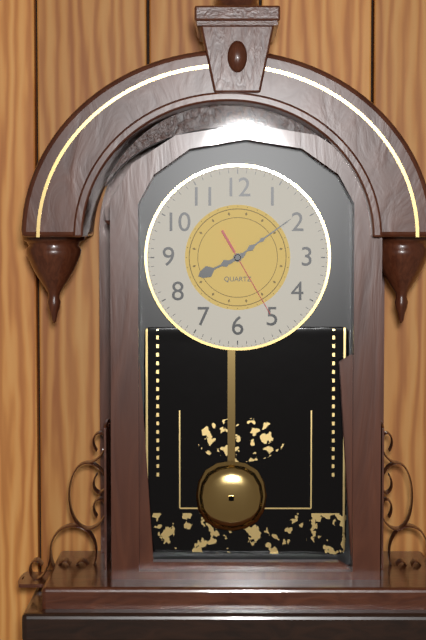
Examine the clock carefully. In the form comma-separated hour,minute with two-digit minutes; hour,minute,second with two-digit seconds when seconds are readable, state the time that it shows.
8,09,25
